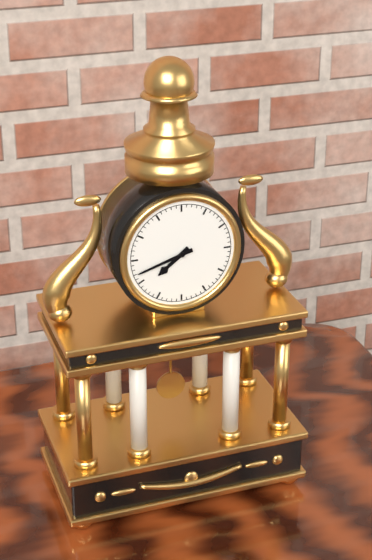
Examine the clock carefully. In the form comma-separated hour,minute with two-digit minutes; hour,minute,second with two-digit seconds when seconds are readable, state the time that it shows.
7,42
